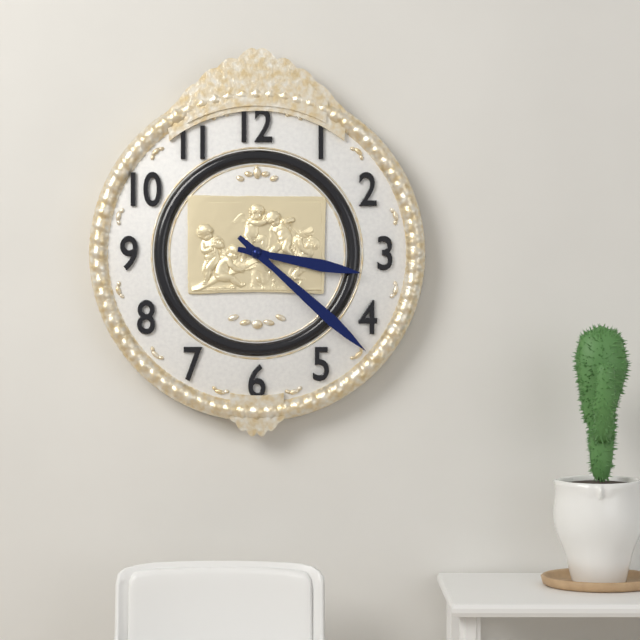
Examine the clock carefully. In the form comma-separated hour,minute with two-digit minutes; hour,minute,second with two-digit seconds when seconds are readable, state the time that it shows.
3,22
